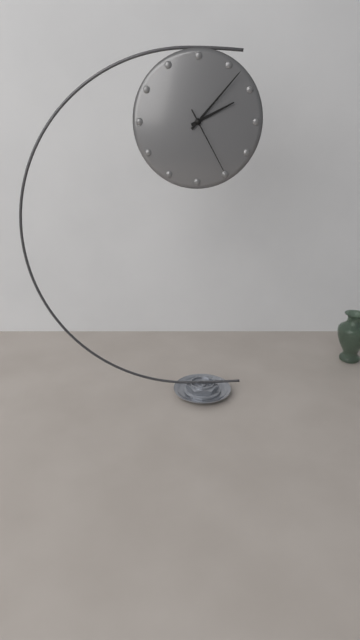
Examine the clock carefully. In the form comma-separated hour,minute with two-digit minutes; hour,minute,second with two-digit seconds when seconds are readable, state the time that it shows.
2,07,25
